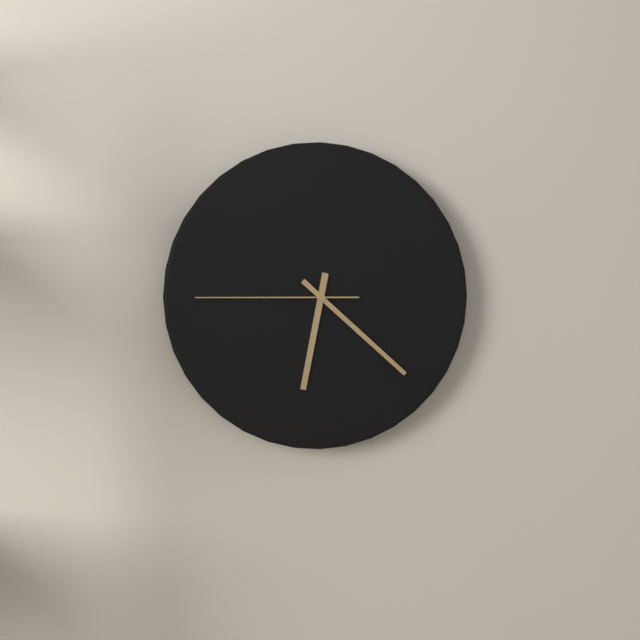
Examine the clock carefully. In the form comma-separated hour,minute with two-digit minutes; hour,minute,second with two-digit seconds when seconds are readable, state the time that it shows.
6,22,45
